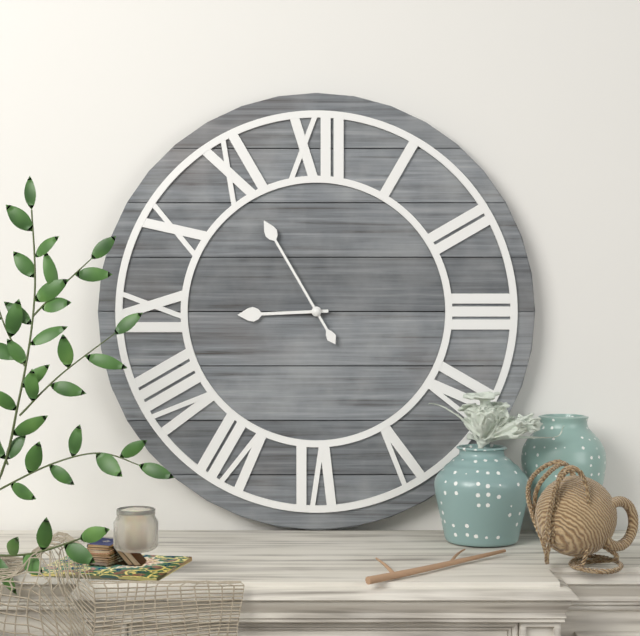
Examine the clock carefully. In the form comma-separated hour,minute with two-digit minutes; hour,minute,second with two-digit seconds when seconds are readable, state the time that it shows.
8,55
